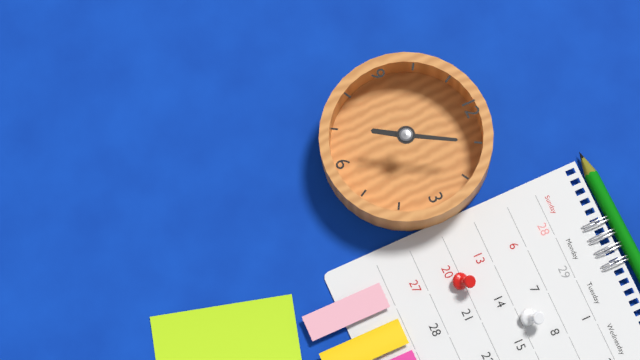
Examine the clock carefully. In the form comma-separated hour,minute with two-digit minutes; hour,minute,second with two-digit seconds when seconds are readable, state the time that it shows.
7,05
